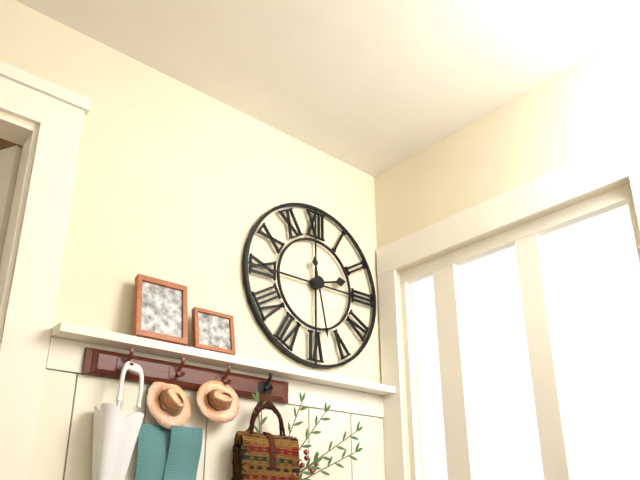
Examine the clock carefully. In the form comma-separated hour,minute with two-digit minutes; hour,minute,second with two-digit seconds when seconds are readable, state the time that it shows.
2,28
